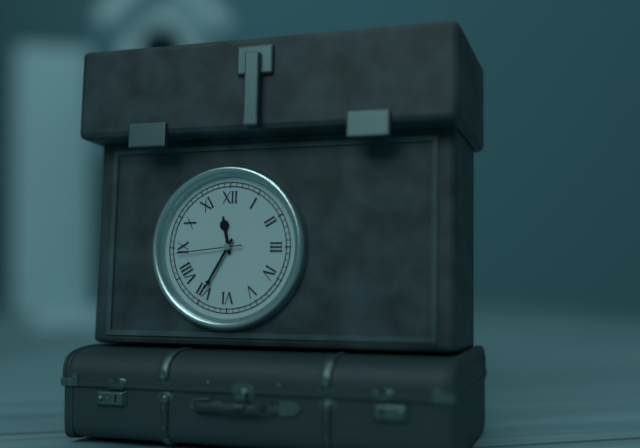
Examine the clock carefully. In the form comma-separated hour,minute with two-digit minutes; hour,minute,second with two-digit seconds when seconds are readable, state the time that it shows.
11,35,44
